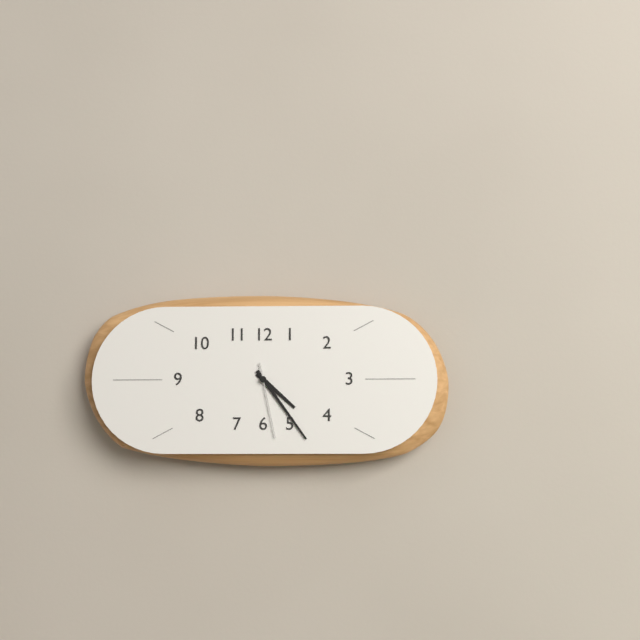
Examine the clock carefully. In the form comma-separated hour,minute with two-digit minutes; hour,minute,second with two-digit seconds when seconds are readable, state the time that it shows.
4,24,28
